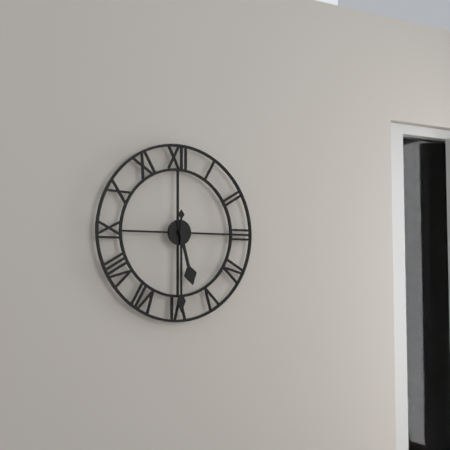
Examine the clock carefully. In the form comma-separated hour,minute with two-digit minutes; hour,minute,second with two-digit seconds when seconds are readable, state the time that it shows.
5,30
